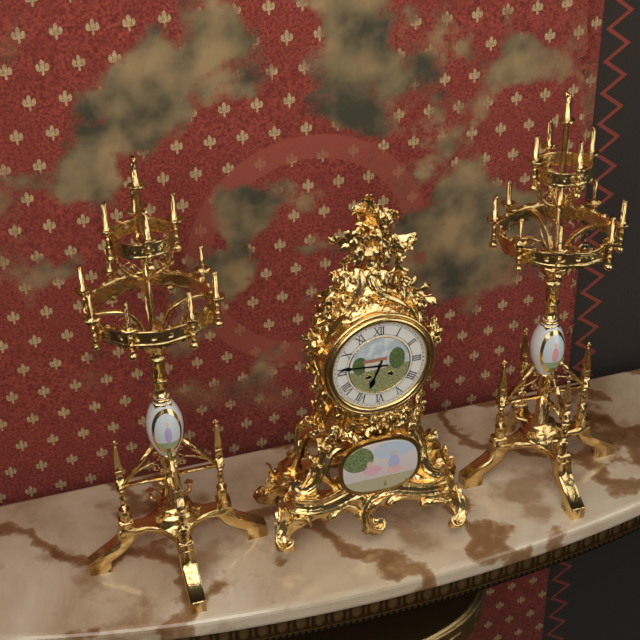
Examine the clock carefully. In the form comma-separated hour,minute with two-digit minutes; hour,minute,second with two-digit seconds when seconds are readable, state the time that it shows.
6,46
